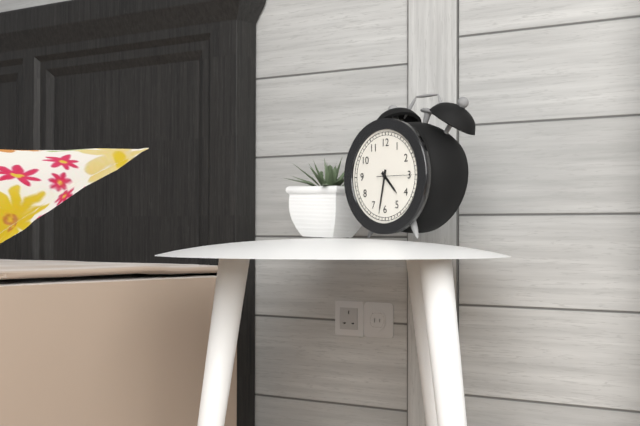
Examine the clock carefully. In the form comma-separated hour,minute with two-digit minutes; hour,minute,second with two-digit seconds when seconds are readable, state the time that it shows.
4,32
